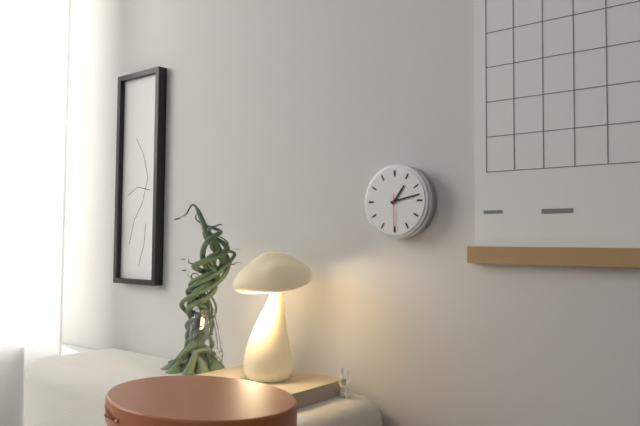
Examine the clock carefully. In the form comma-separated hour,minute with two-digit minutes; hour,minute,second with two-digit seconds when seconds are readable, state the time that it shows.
1,13
